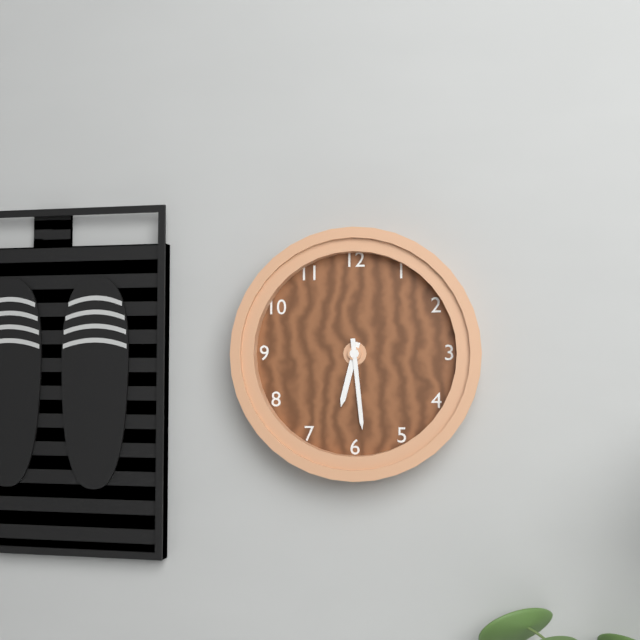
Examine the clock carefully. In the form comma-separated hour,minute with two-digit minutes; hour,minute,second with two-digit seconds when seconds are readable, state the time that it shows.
6,29
